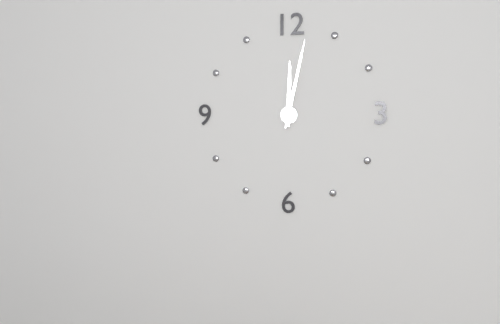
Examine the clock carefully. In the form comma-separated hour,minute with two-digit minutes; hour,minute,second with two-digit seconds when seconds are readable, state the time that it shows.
12,02
